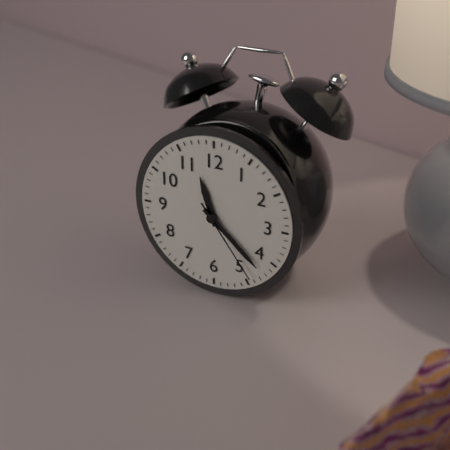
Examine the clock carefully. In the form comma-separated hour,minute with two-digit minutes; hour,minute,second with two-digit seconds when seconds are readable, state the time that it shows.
11,22,24
